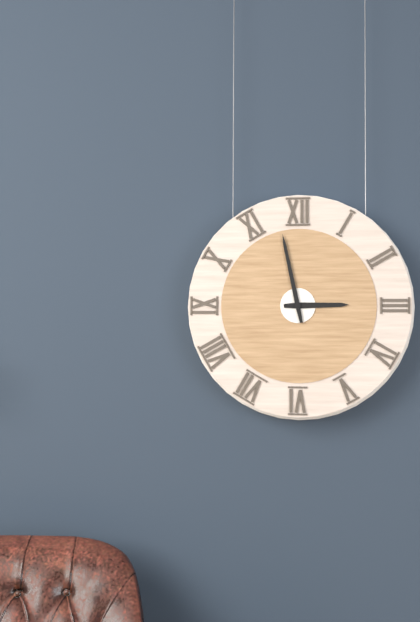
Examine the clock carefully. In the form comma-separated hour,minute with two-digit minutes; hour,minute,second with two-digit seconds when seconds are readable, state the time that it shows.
2,58
